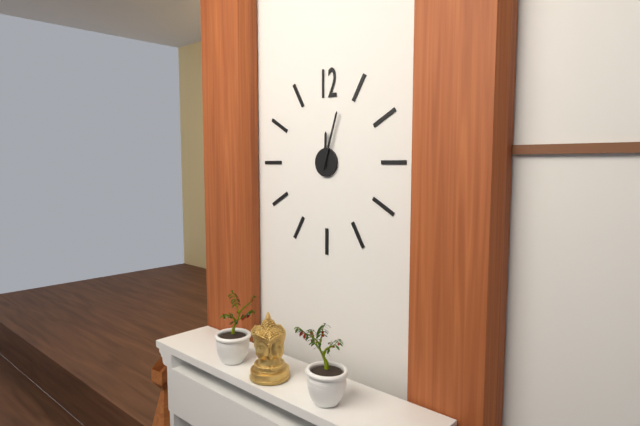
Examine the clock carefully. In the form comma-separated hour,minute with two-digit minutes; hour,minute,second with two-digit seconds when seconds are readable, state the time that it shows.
12,03
